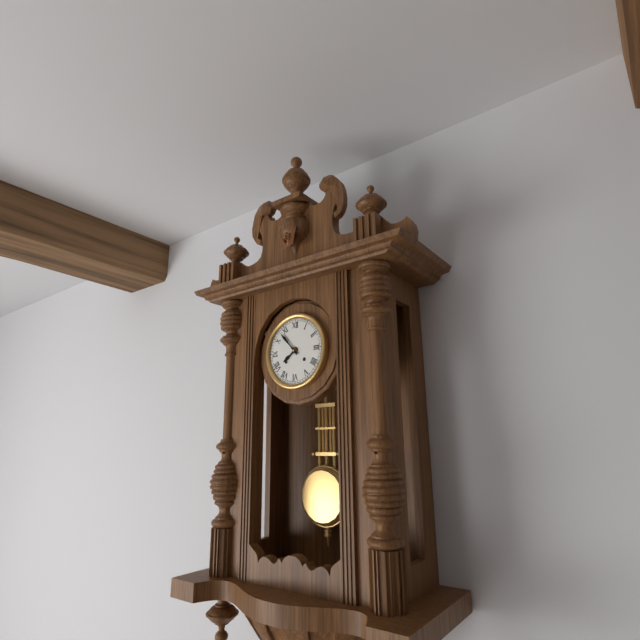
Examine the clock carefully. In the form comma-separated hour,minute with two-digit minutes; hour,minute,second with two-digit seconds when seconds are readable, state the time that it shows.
7,53
